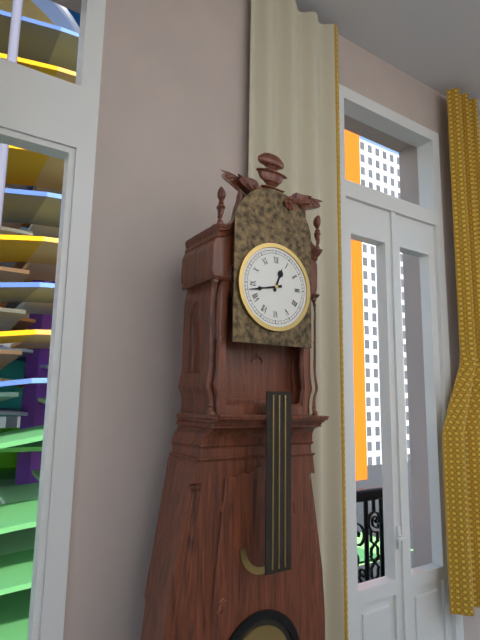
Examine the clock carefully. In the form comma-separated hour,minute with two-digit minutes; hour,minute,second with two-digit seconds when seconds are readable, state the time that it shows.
12,43
